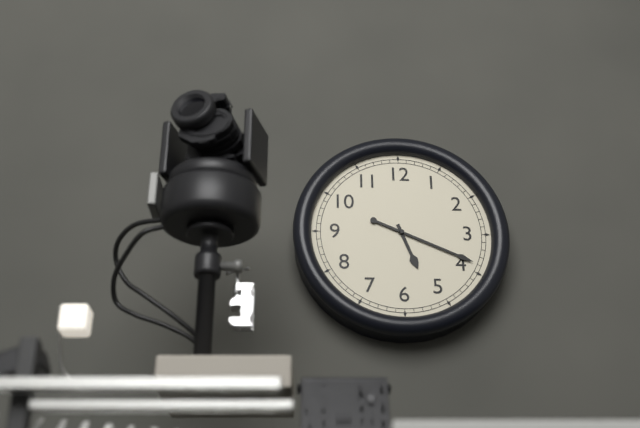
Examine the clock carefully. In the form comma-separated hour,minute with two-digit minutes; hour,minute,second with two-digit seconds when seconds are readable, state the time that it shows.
5,19
